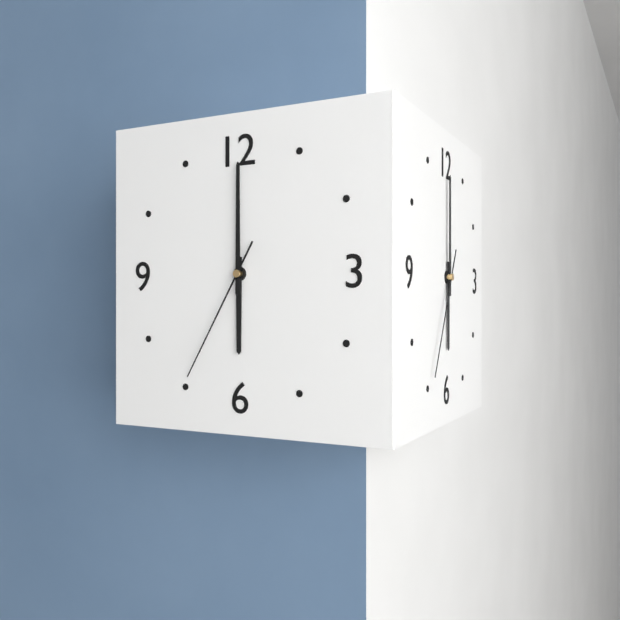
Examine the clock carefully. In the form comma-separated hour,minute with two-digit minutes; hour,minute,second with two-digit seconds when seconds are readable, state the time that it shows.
6,00,35
